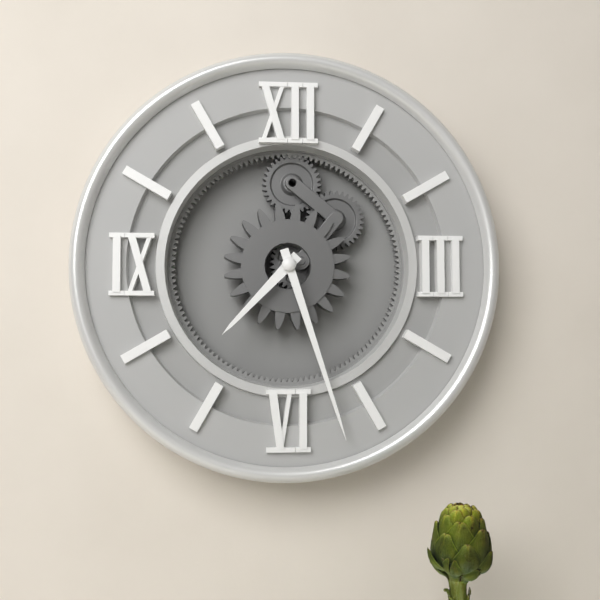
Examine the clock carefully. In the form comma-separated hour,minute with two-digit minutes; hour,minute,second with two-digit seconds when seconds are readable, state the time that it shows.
7,27
